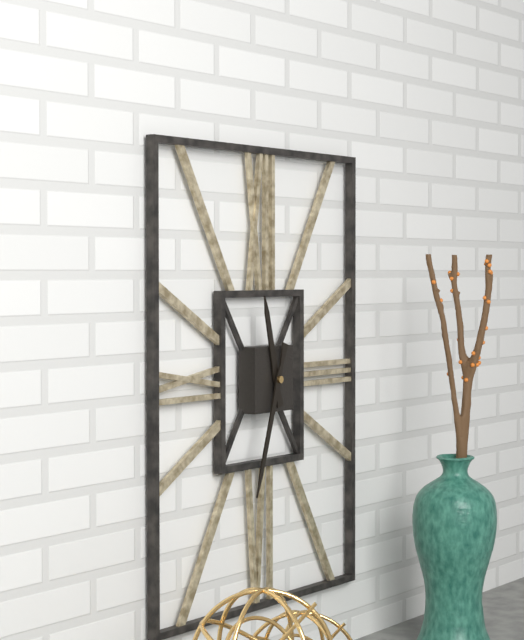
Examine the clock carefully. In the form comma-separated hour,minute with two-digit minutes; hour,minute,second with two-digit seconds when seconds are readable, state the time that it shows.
11,33
